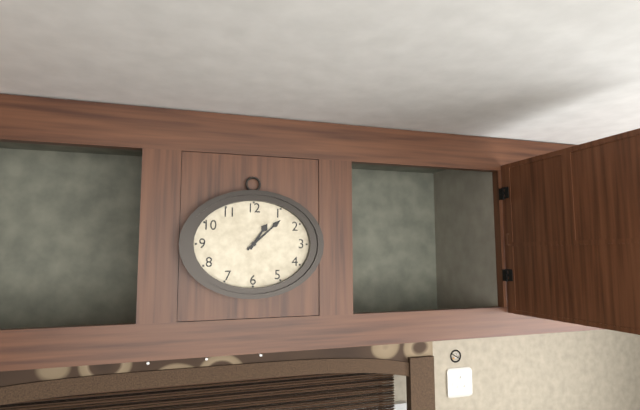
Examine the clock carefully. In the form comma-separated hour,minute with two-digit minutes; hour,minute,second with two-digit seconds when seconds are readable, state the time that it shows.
1,08
